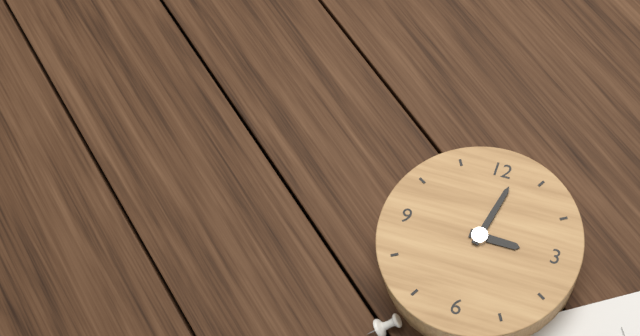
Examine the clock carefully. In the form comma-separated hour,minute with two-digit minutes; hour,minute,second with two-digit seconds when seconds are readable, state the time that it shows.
3,02
